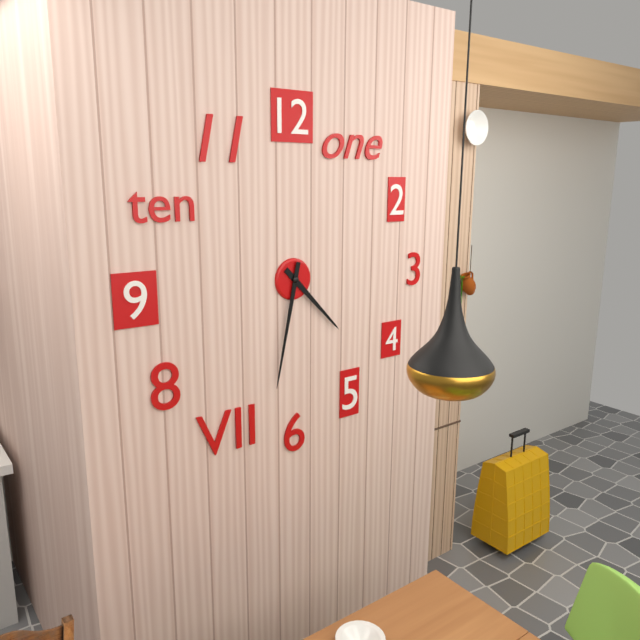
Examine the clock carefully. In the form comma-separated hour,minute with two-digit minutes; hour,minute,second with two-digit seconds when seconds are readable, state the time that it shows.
4,32
